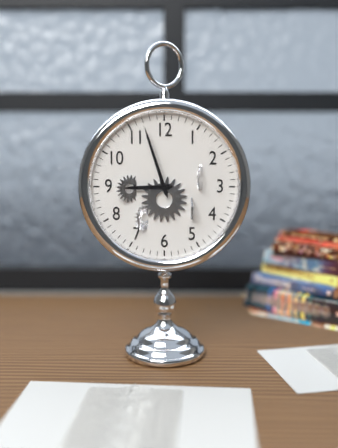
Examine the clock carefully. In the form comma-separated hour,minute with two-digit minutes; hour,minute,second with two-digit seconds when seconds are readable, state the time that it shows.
8,57
